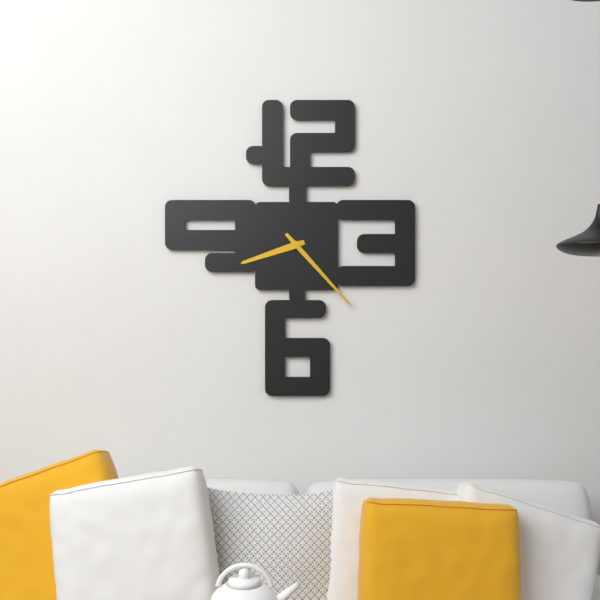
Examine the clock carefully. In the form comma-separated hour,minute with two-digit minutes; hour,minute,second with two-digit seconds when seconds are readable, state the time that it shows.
8,23
